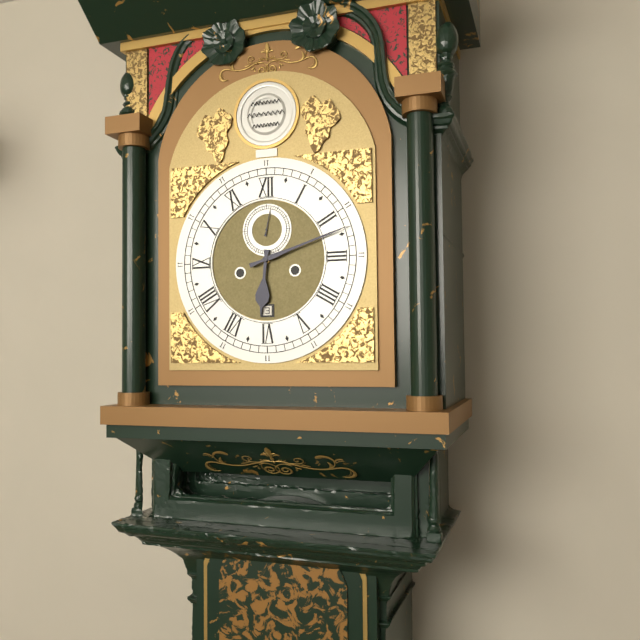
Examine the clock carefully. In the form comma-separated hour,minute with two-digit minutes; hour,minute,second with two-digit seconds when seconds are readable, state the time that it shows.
6,12
